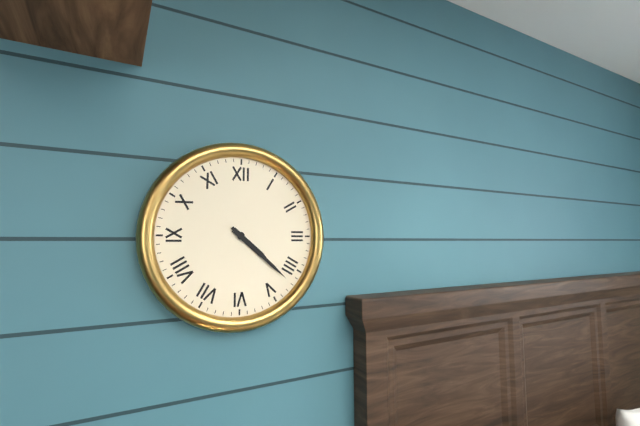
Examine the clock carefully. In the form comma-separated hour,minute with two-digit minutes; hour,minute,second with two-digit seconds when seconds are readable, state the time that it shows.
4,22
